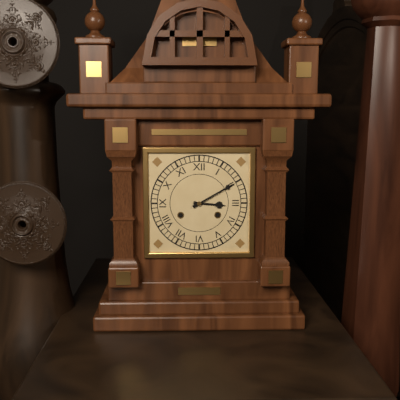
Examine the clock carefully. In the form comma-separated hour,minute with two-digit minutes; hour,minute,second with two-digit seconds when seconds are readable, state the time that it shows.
3,10
